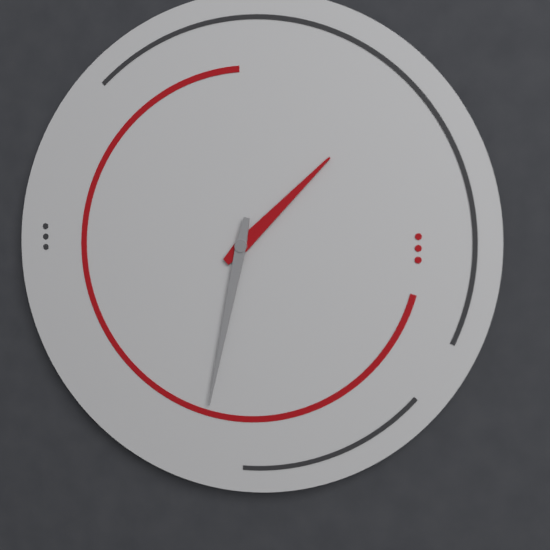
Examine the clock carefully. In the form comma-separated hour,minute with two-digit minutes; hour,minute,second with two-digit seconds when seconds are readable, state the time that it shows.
1,32
